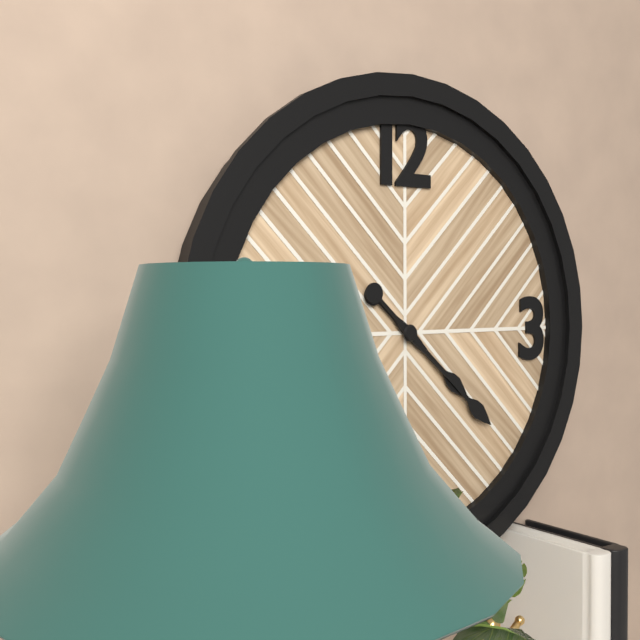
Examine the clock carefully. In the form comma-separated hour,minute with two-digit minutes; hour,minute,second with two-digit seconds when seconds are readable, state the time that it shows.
4,22
